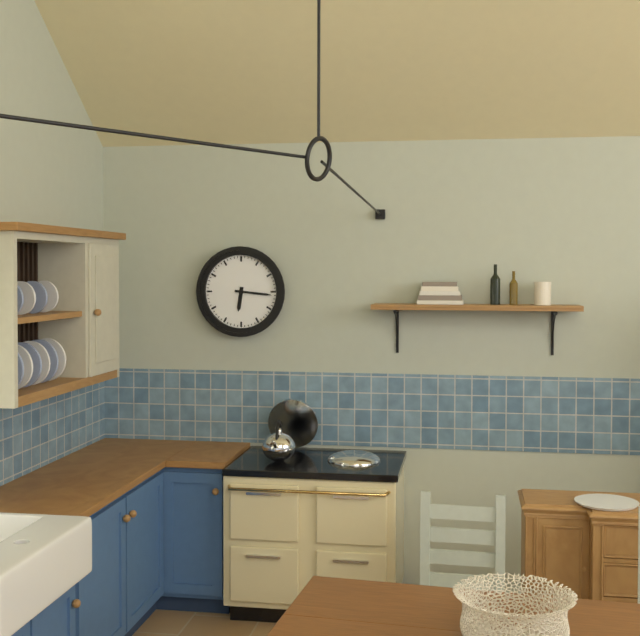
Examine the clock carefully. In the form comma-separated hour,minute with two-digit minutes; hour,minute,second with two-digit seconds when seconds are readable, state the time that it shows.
6,16
